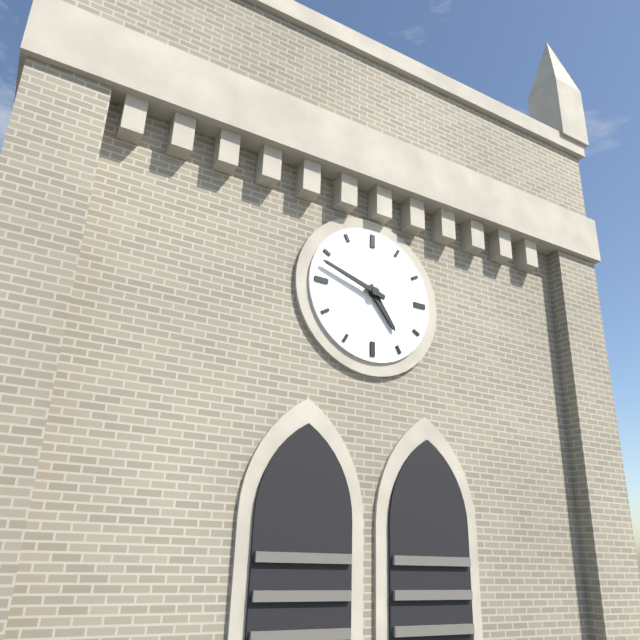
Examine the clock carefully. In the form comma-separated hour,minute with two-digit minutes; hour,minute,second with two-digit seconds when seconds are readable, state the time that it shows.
4,48
